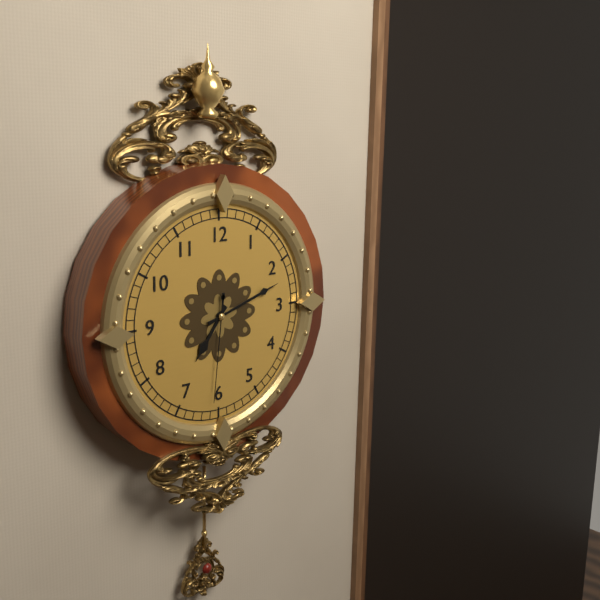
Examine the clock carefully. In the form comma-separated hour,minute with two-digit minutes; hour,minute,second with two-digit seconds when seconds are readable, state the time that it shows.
7,12,31
